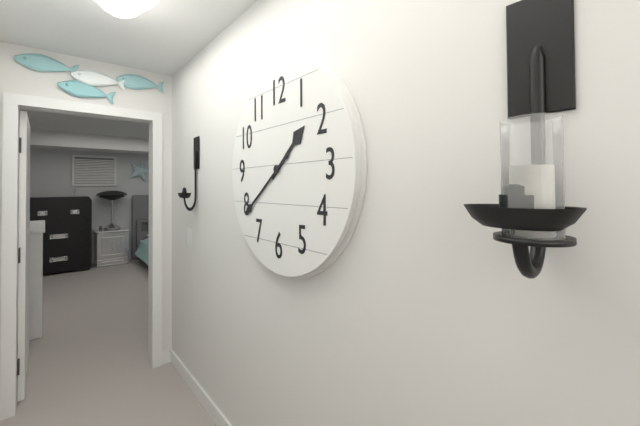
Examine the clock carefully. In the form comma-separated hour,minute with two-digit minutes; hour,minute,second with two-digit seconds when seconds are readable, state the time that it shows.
1,39
